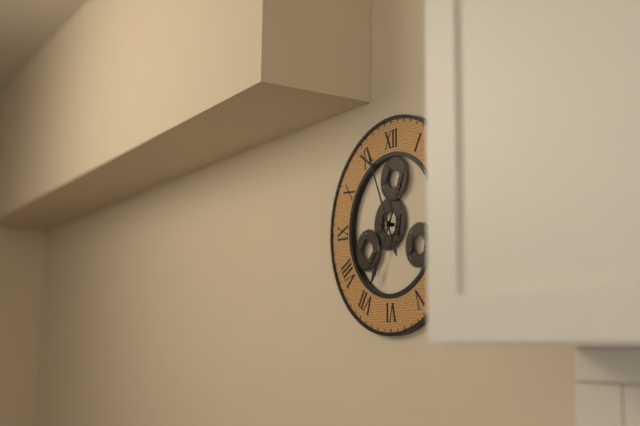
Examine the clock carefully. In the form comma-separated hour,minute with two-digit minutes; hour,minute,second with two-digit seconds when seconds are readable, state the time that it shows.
6,56
